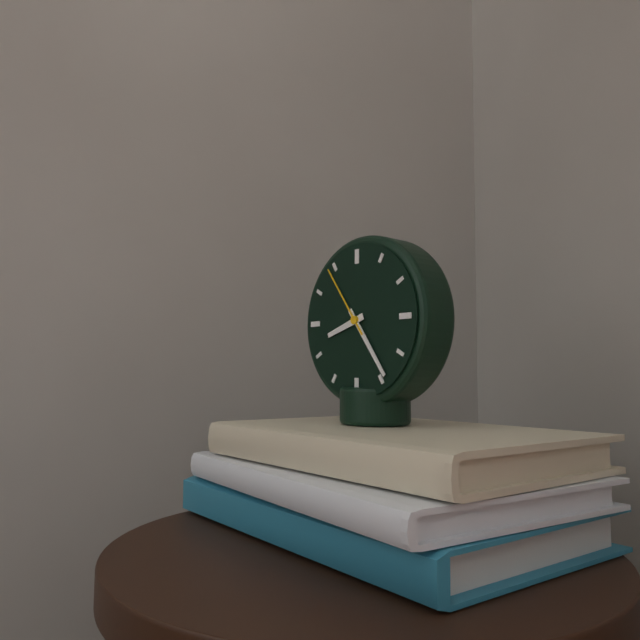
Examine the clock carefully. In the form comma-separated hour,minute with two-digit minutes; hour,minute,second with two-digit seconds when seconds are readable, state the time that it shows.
8,24,54
